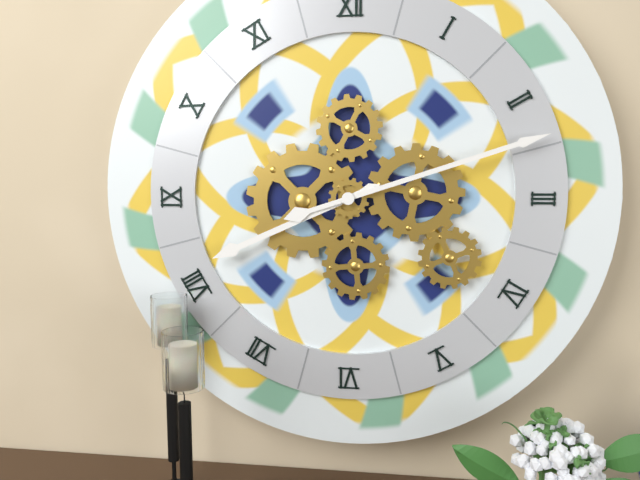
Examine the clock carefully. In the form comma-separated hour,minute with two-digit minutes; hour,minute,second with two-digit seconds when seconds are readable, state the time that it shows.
8,12
